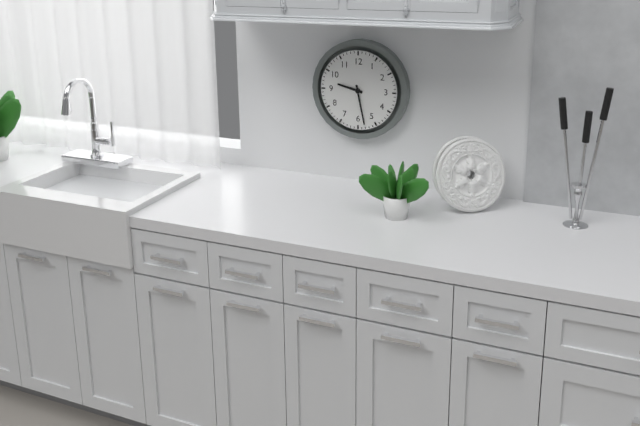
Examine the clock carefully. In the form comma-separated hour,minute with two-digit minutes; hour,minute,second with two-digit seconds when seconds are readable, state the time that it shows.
9,28
